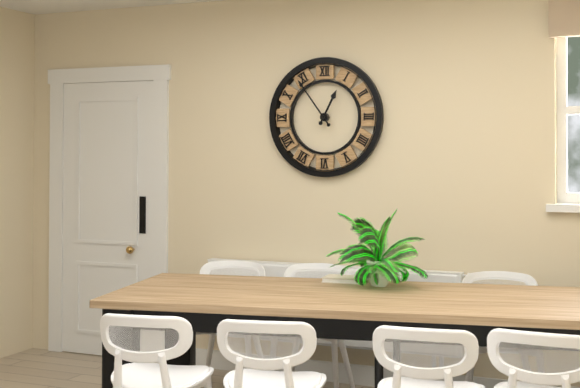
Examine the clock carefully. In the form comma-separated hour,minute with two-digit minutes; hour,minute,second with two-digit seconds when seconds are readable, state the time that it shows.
12,54
